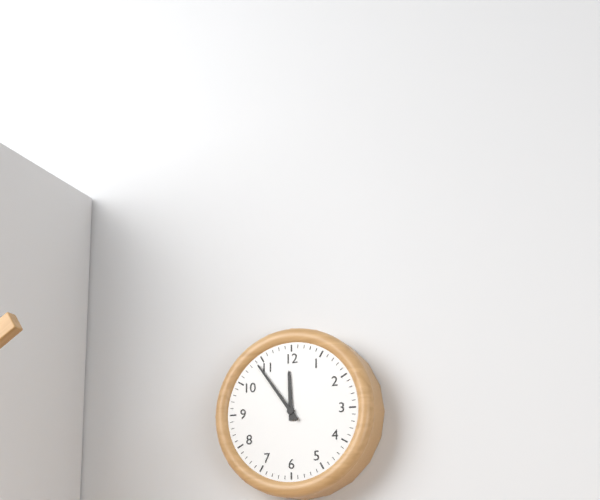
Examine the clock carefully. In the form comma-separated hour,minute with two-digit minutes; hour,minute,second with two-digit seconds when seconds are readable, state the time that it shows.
11,54
